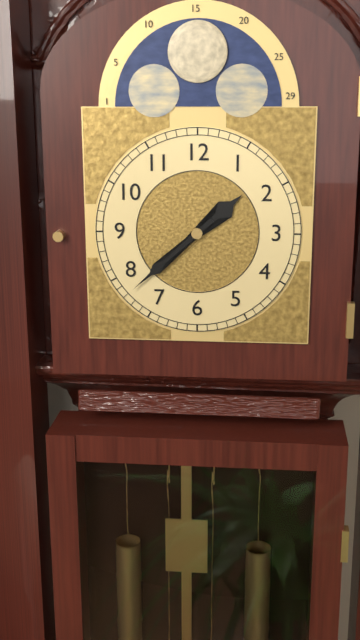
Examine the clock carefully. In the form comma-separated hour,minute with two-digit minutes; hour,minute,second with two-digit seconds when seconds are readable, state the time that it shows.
1,38
